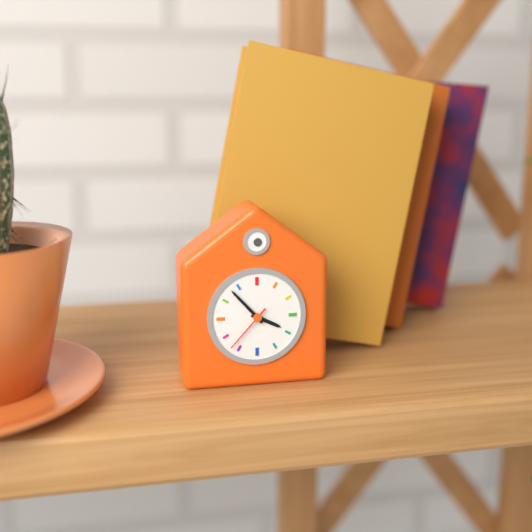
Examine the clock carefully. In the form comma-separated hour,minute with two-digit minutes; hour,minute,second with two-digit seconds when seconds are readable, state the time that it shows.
3,53,37
